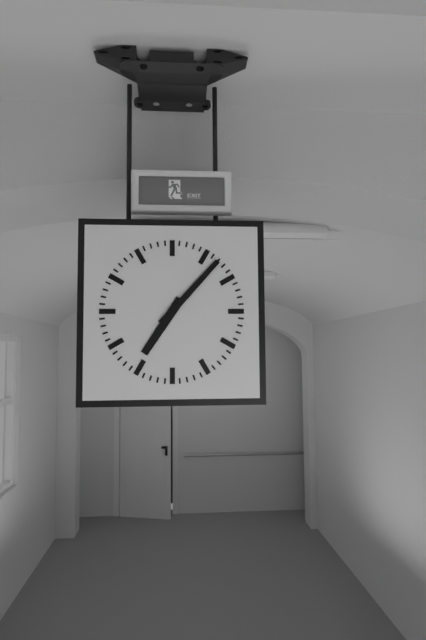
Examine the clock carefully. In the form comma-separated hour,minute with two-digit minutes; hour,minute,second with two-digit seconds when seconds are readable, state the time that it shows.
7,07
